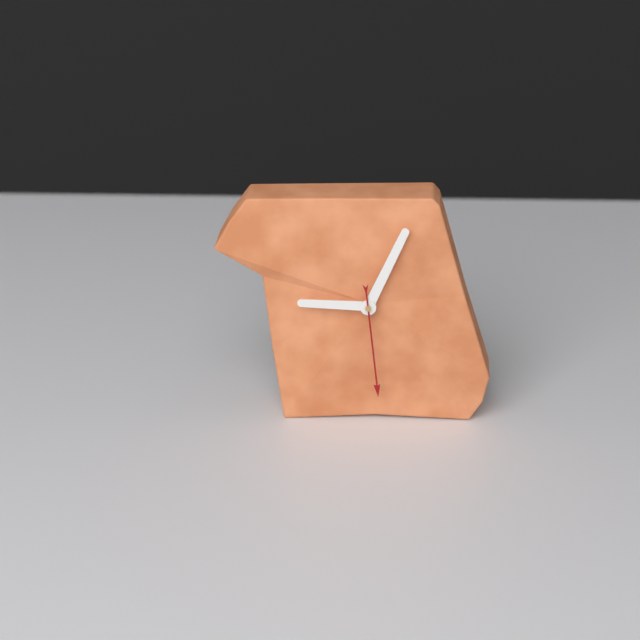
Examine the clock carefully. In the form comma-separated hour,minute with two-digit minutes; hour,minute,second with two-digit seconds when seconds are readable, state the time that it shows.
9,04,29
